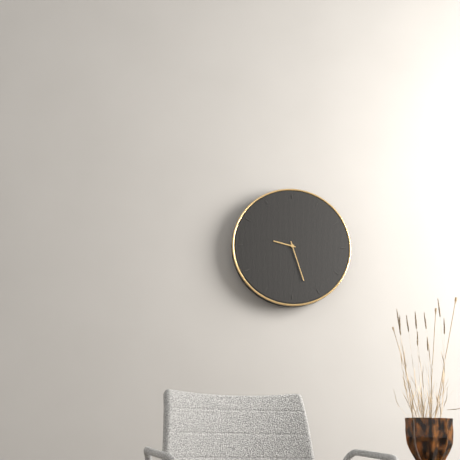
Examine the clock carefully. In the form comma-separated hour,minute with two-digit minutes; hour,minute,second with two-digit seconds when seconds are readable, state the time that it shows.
9,27
